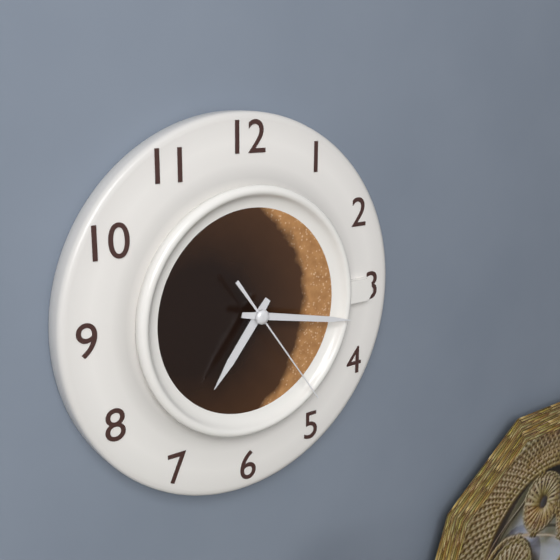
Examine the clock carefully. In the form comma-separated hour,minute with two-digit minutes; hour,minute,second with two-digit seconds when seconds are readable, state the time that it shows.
7,17,24
